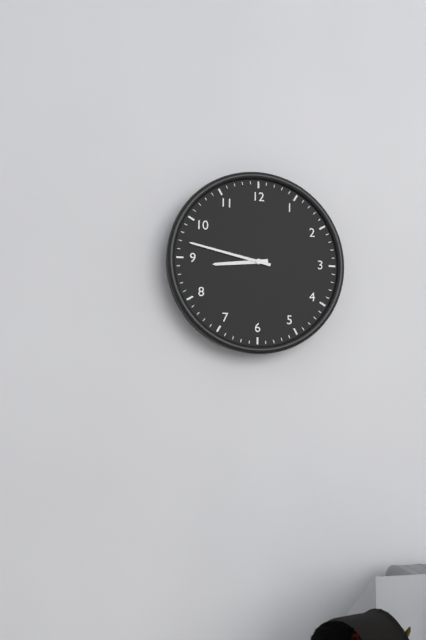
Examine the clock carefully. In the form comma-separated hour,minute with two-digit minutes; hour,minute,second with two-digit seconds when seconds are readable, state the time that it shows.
8,47
